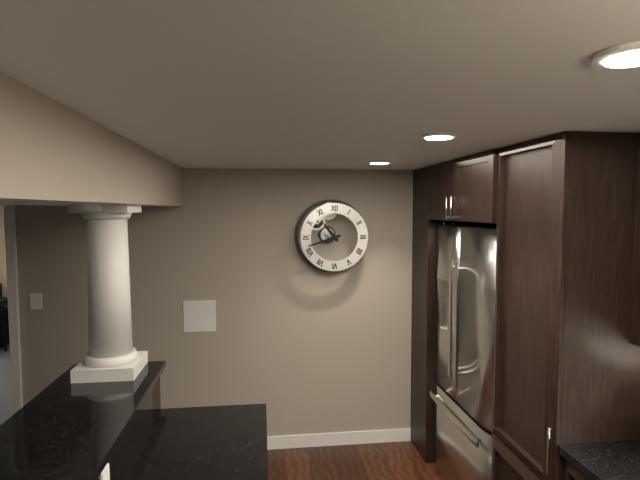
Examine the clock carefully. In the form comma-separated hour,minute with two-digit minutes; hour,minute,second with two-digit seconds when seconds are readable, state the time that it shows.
10,42
